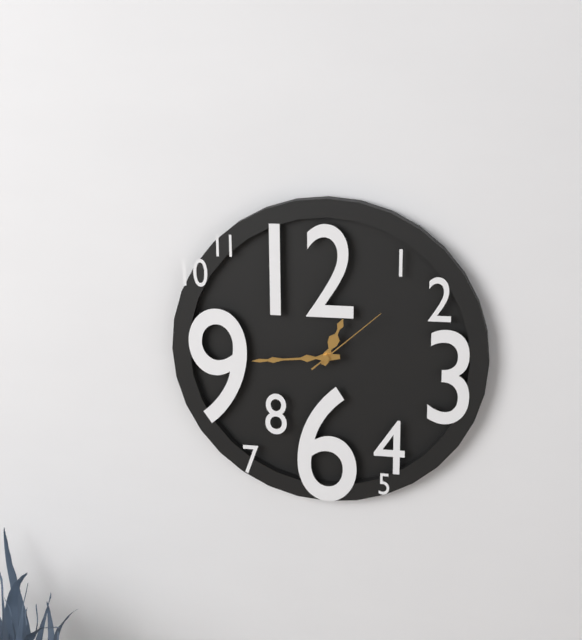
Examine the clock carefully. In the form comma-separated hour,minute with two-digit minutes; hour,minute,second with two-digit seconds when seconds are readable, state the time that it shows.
12,44,08
